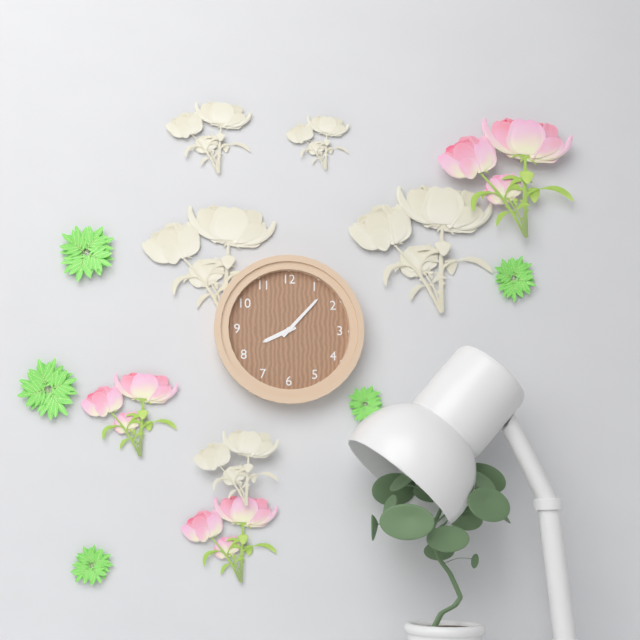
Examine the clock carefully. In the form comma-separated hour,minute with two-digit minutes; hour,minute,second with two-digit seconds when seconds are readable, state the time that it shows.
8,07
